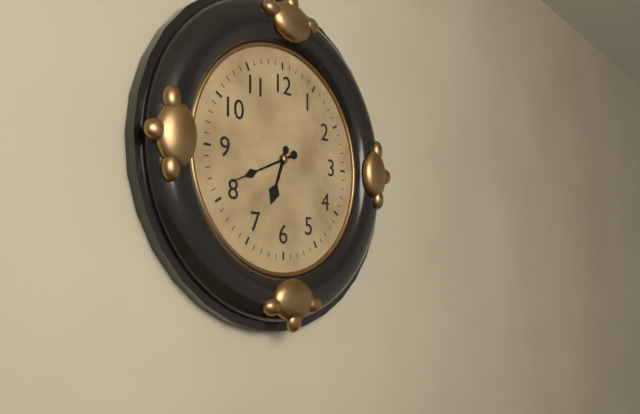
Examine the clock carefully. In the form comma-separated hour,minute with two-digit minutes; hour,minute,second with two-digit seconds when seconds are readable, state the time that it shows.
6,41
